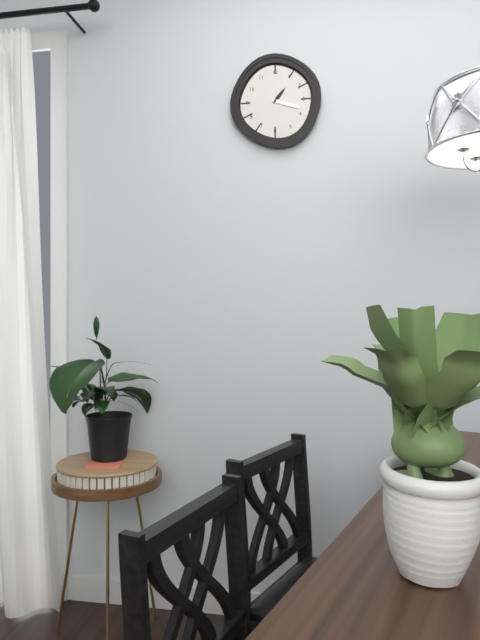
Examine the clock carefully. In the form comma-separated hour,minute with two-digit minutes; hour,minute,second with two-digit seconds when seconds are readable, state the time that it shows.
1,18
